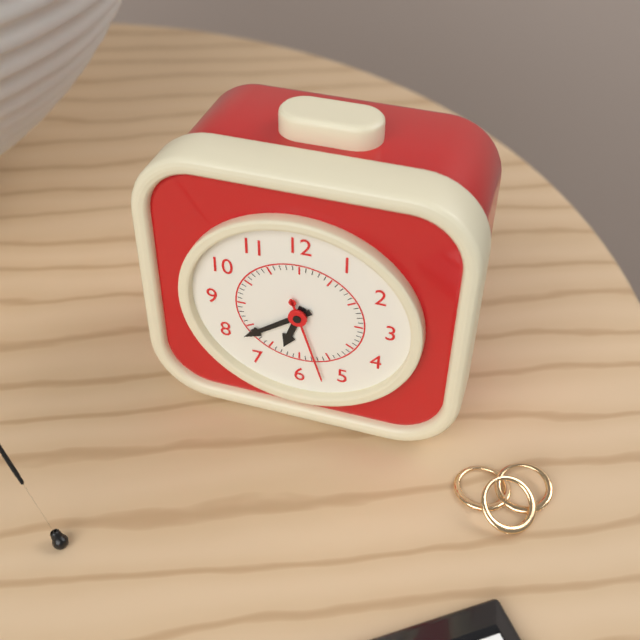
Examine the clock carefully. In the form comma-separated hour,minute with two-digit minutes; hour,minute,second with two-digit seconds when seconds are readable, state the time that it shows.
6,39,27
